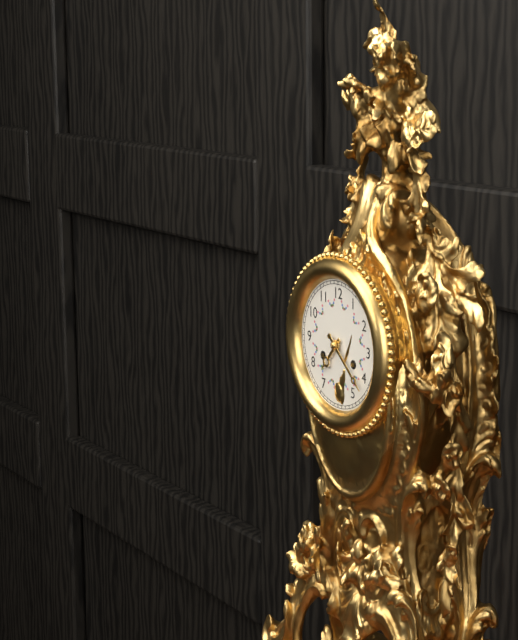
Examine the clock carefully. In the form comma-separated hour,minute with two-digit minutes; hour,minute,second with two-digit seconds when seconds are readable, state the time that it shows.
7,22
